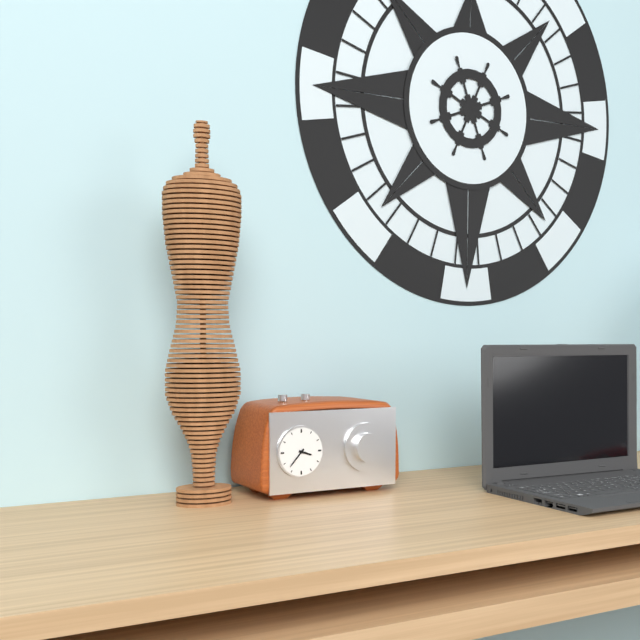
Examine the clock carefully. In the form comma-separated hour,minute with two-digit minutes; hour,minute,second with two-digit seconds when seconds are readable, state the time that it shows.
3,37
